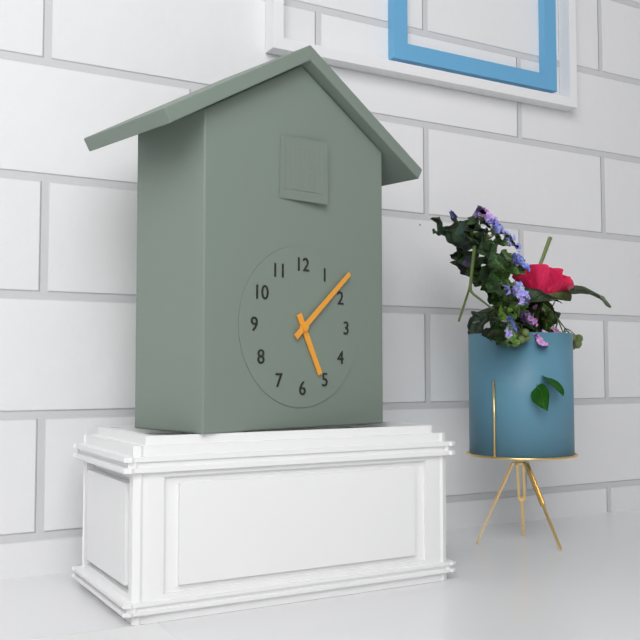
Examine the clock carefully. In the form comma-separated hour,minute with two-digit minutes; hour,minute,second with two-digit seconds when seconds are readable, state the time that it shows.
5,08
